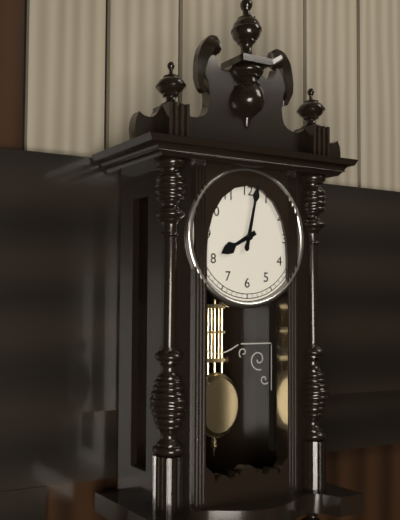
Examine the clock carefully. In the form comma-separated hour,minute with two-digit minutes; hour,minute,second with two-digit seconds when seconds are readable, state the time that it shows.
8,02
